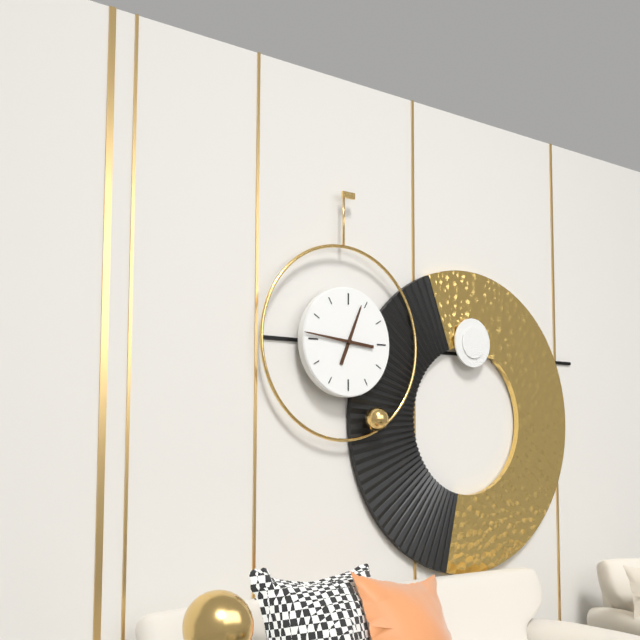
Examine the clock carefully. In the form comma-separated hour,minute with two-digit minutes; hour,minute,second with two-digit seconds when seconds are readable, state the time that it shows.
12,46
